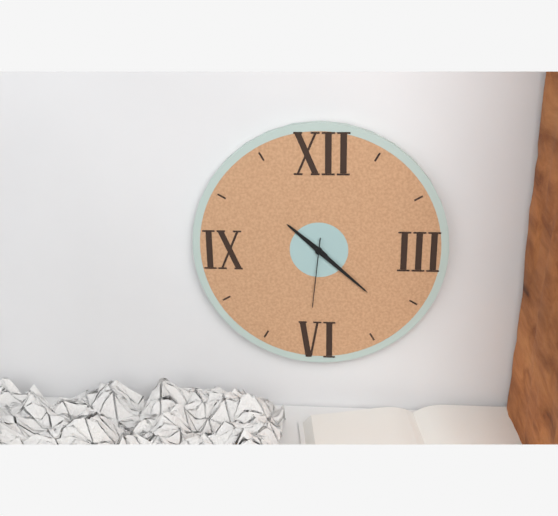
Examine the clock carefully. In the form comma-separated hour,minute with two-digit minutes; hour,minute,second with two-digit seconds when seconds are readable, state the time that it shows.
10,22,31
